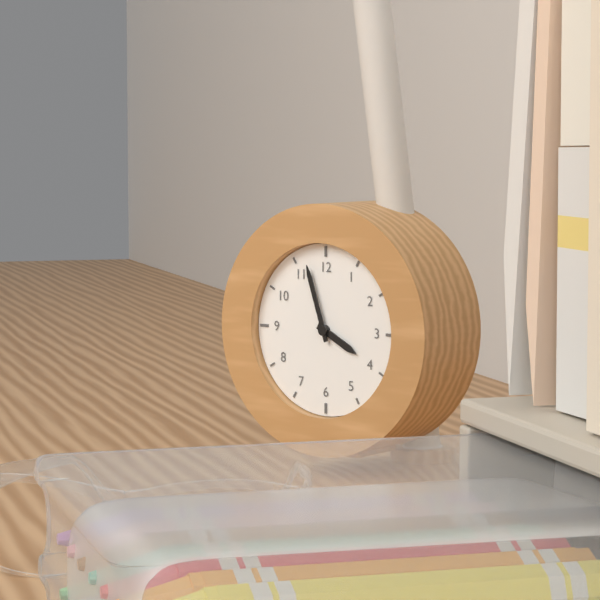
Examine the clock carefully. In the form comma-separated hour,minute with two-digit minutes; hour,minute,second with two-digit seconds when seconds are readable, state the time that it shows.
3,57
